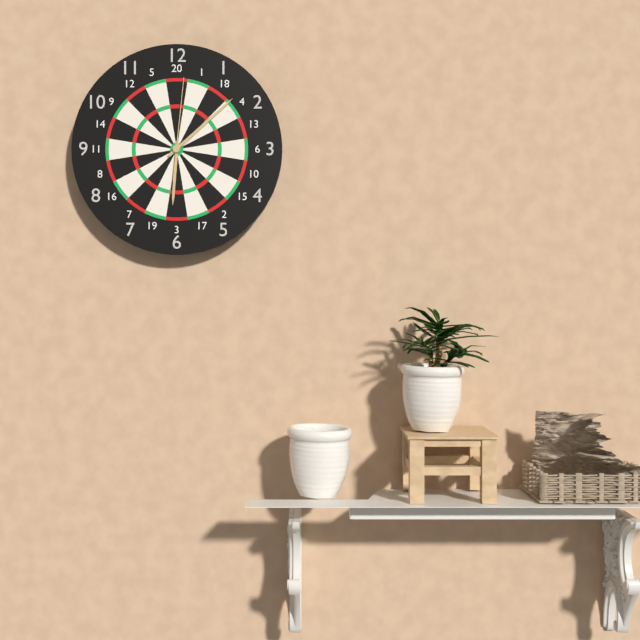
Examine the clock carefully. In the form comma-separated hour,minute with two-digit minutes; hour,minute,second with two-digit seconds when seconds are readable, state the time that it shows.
6,08,01
